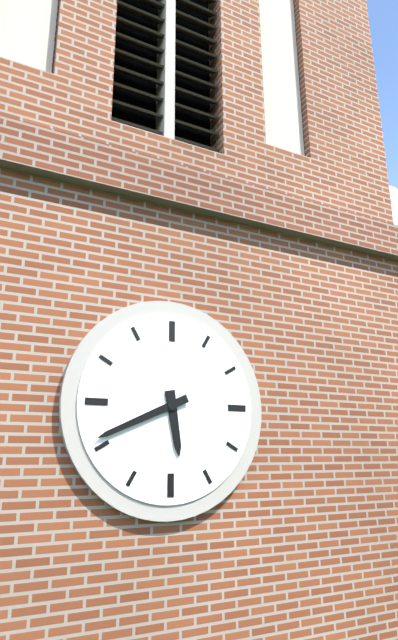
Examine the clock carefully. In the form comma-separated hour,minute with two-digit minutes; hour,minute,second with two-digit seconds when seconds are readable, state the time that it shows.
5,41
